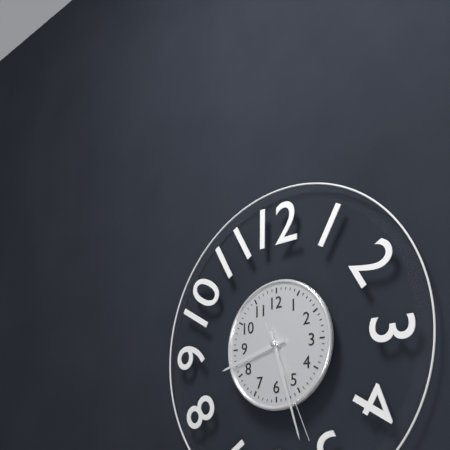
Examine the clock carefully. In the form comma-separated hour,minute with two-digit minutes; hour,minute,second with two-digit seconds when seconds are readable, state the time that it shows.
8,27,26
